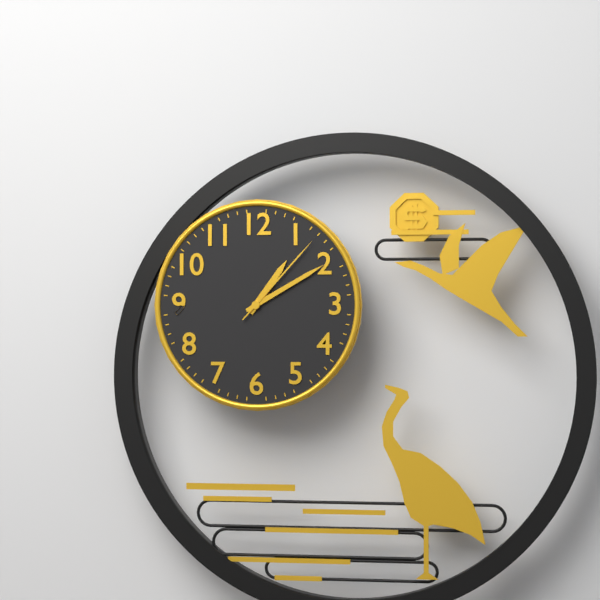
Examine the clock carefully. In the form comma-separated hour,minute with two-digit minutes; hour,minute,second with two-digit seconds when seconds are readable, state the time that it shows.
1,10,07
